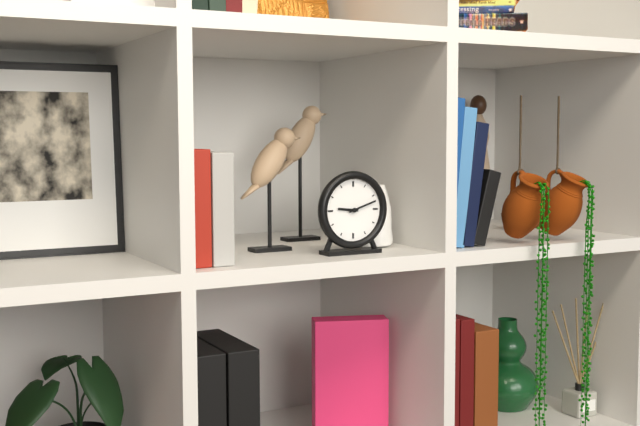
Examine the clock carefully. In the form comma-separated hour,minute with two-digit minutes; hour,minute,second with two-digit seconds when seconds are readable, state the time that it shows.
9,12
